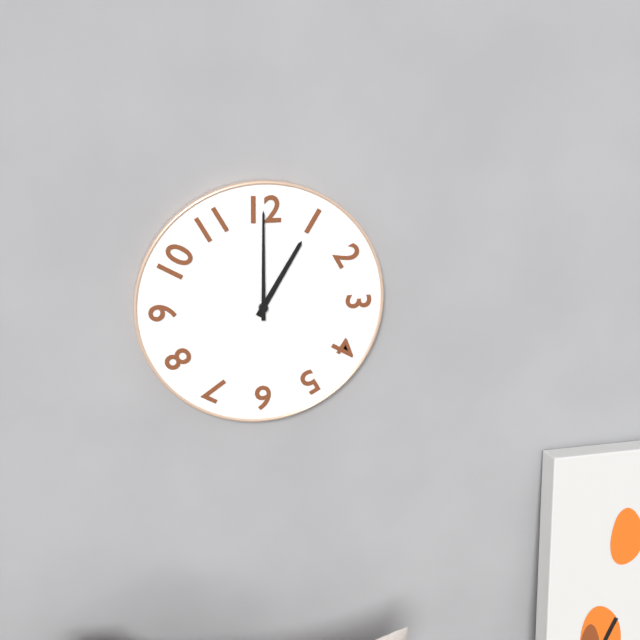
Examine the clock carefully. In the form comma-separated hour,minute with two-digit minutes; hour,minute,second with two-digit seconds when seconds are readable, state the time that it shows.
1,00
